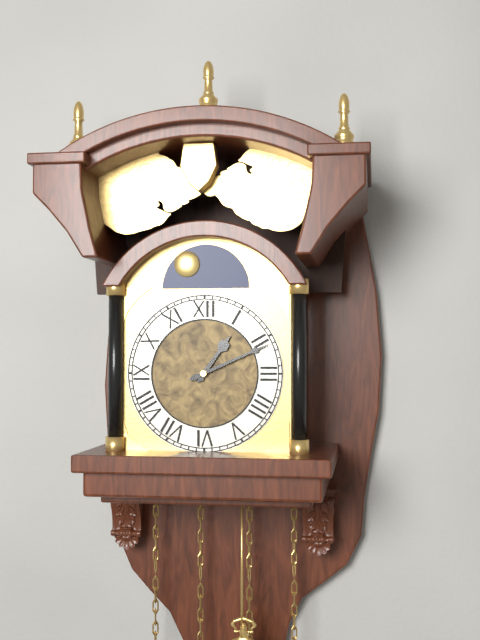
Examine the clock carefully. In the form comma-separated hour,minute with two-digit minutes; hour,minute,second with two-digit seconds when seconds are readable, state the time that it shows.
1,11
